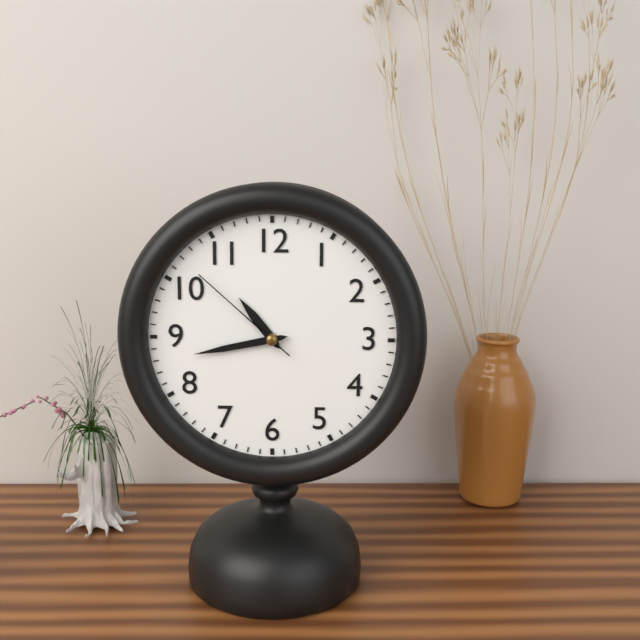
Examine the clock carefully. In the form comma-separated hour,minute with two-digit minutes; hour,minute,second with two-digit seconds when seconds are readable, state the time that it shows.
10,43,52
